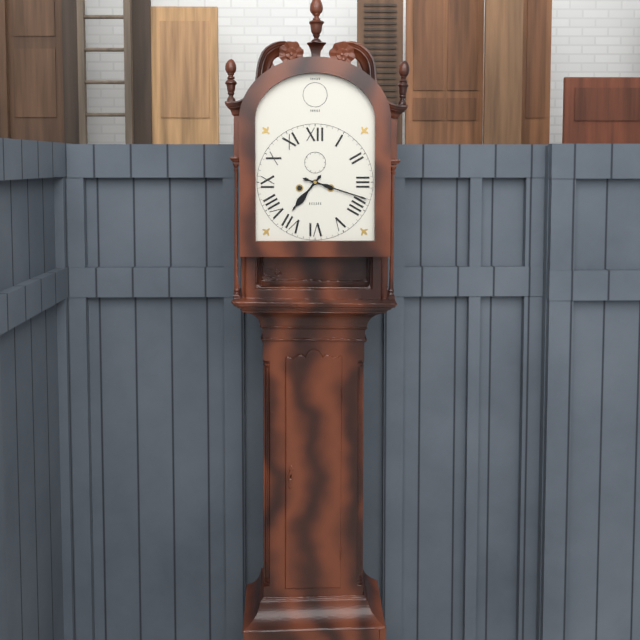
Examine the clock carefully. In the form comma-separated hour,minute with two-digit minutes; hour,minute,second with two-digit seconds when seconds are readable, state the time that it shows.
7,18
